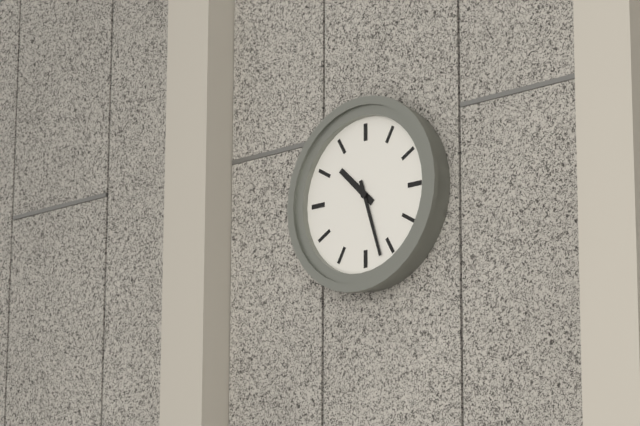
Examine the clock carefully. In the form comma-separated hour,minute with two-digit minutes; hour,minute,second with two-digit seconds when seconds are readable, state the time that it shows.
10,27
